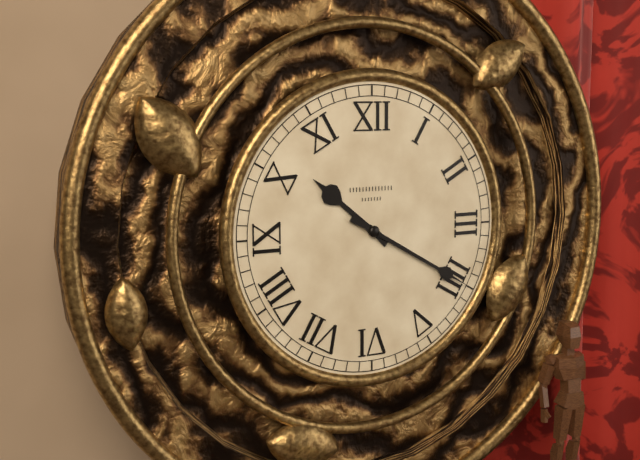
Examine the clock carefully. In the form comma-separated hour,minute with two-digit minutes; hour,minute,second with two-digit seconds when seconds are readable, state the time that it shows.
10,20
